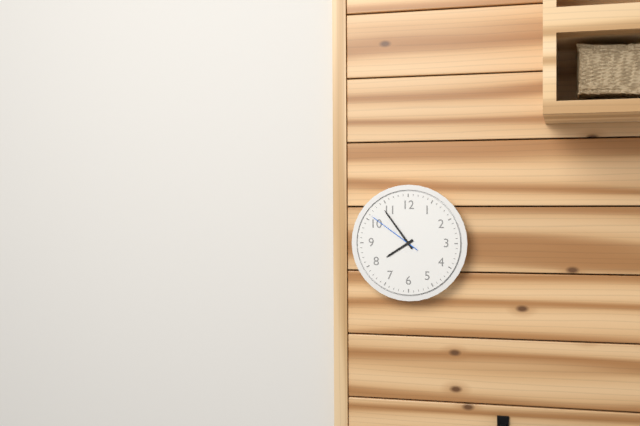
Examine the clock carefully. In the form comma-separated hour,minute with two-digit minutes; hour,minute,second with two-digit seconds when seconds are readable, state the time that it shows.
7,54,51
